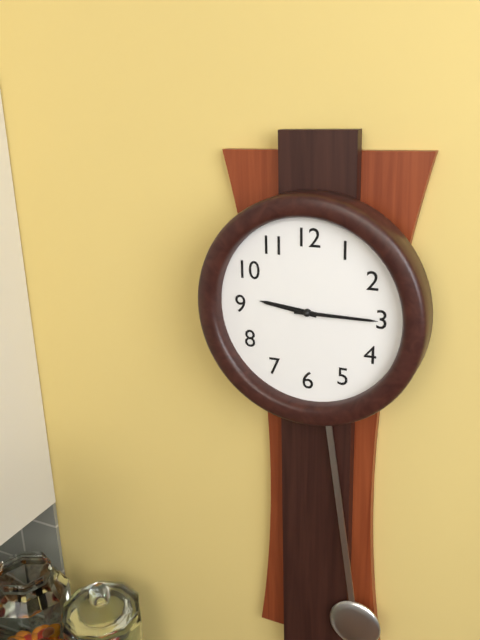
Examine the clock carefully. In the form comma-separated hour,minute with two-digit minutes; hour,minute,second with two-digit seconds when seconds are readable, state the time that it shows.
9,15
